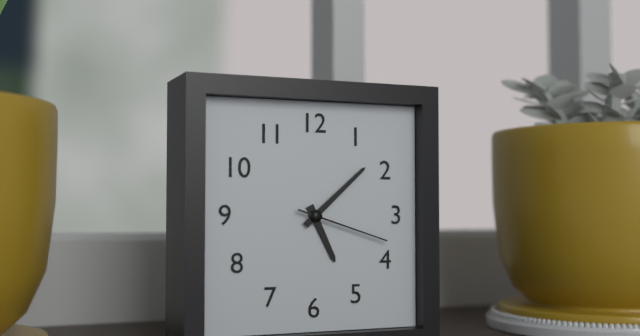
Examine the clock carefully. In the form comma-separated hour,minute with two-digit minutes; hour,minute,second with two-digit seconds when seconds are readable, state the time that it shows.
5,08,18
